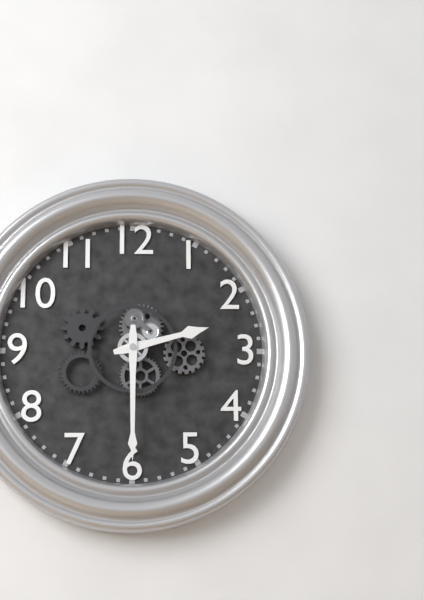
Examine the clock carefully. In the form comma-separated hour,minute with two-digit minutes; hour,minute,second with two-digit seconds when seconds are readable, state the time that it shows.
2,30
